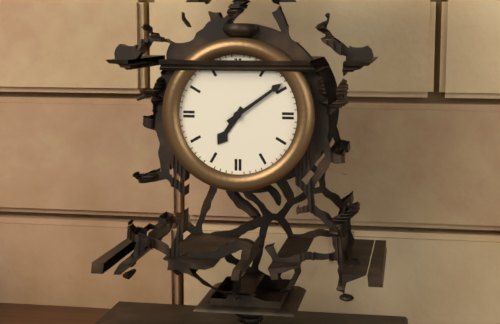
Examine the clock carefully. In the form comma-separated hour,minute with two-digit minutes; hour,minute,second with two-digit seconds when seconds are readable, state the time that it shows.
7,09
